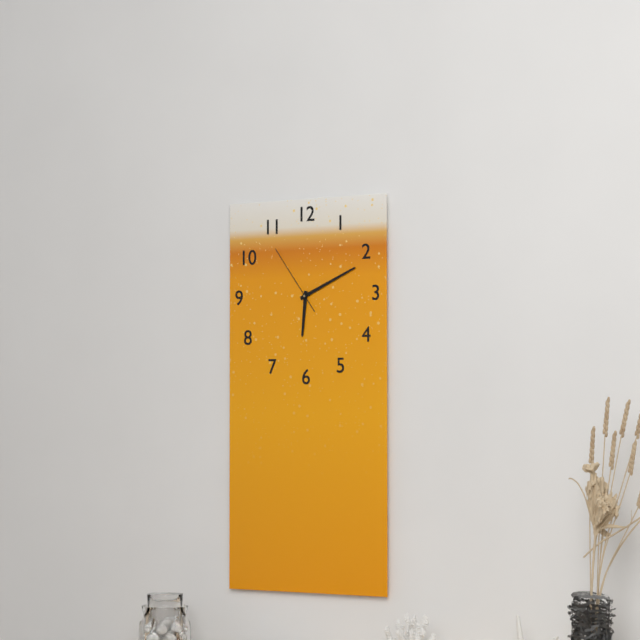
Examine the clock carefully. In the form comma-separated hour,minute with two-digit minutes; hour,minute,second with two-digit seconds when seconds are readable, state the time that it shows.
6,11,54
